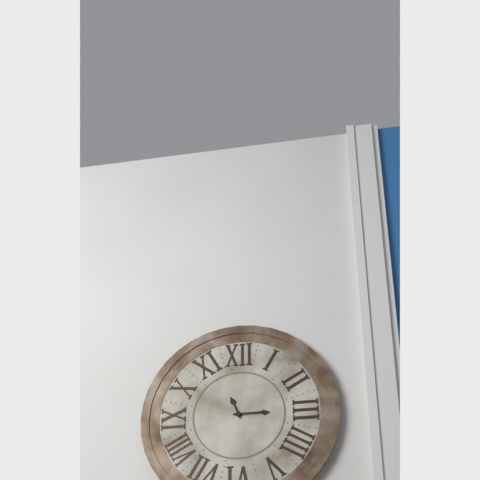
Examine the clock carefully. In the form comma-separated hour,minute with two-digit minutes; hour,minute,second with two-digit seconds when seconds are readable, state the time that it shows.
11,15
